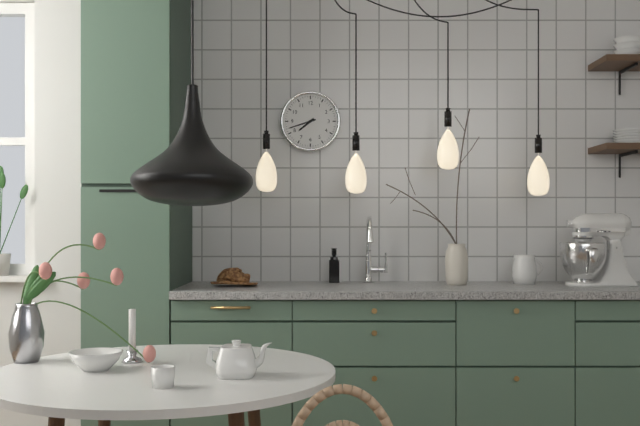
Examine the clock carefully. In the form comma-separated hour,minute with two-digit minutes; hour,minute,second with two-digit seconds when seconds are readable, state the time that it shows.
7,42
